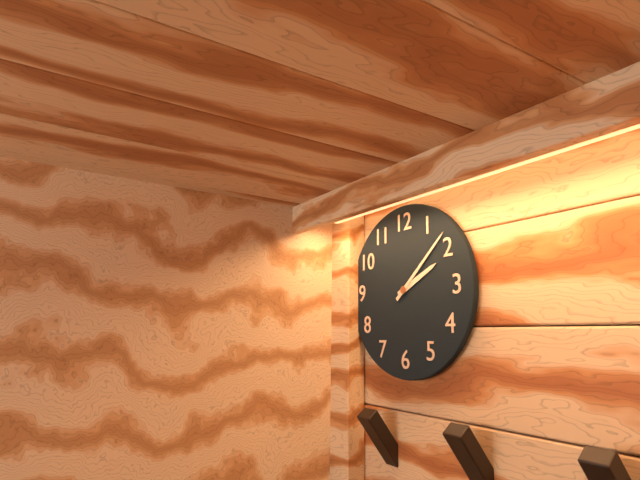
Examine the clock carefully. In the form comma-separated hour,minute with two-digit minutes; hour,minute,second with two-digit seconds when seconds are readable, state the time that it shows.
2,08
